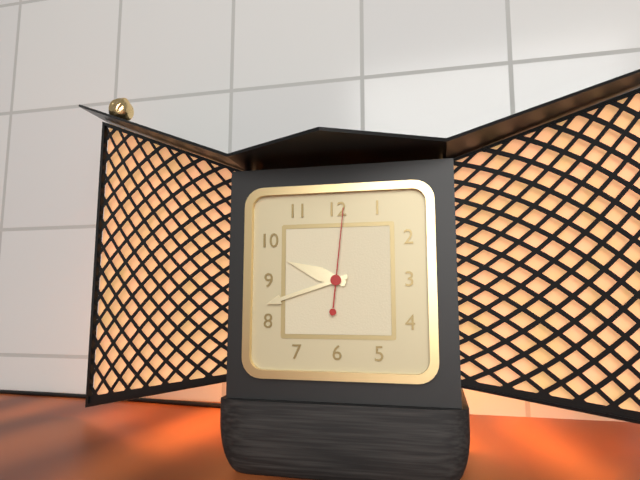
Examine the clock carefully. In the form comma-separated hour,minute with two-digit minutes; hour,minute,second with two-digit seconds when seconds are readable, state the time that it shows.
9,42,01
